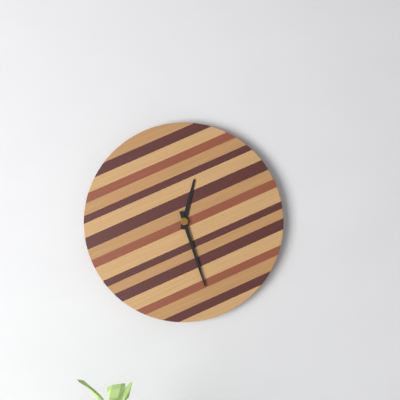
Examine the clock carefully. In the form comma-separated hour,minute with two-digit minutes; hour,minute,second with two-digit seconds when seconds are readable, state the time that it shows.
12,27
